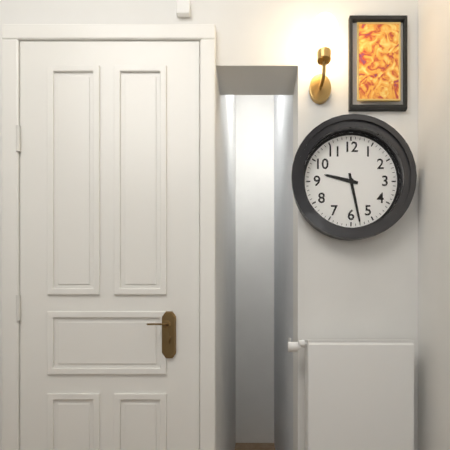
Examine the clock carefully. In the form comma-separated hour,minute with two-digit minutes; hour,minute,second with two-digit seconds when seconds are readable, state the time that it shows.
9,28
